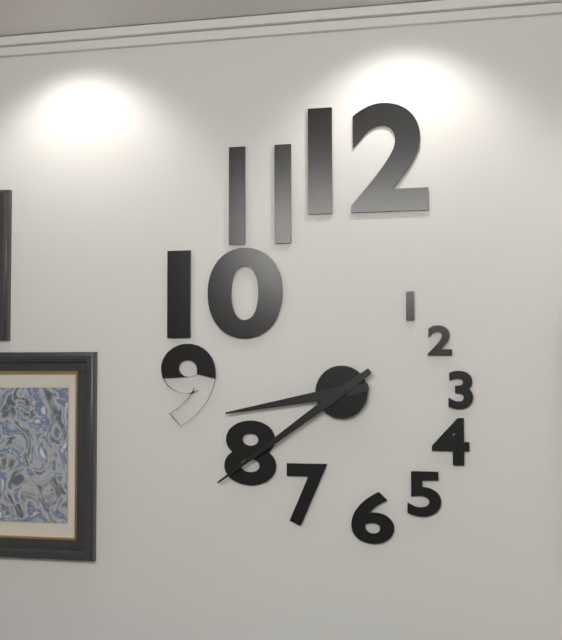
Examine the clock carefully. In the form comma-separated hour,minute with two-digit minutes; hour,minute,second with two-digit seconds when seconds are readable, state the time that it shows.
8,39
